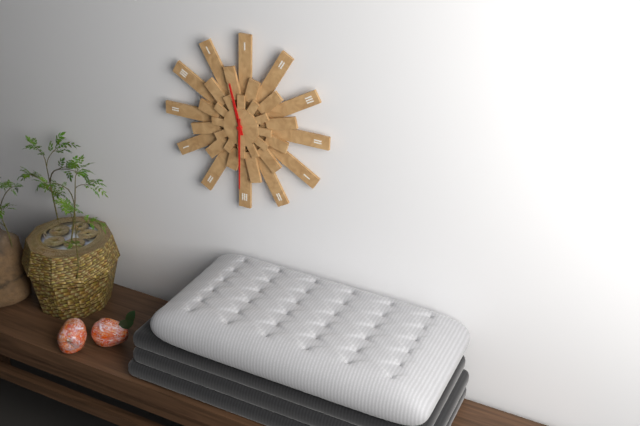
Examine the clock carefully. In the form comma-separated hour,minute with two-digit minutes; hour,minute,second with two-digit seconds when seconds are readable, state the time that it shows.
11,30
